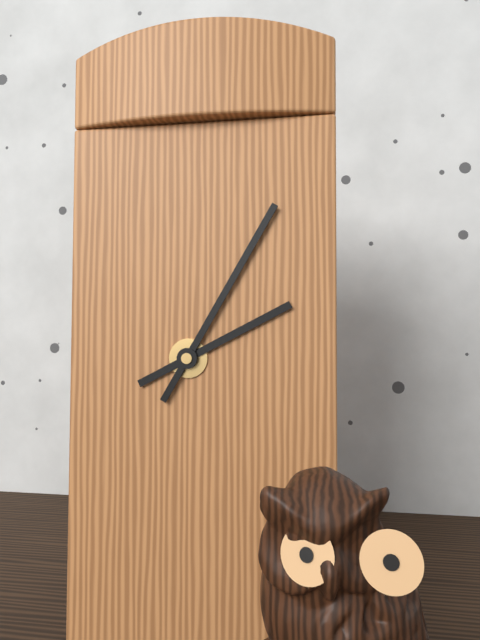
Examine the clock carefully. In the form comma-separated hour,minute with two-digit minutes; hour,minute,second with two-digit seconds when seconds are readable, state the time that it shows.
2,05
